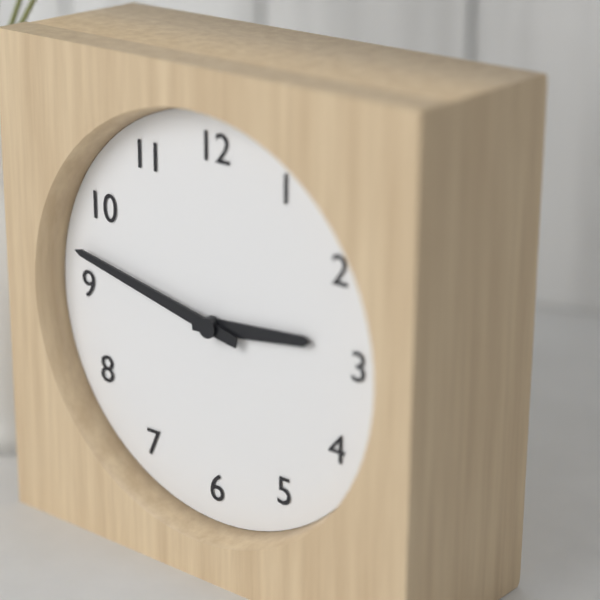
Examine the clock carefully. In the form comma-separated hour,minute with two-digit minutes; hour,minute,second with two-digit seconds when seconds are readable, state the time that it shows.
2,47
